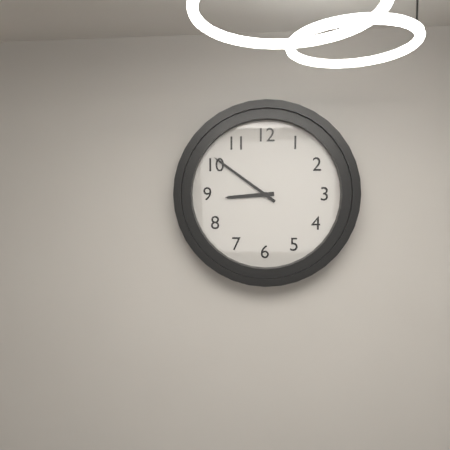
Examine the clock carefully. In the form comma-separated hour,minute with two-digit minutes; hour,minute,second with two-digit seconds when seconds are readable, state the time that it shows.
8,51
